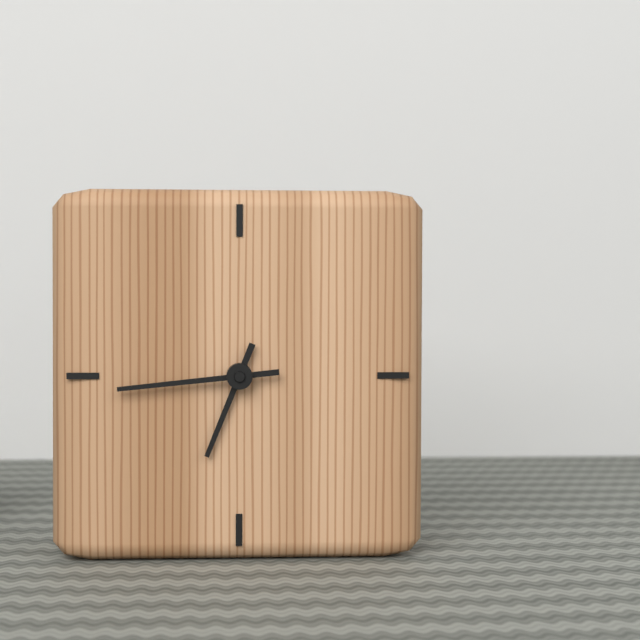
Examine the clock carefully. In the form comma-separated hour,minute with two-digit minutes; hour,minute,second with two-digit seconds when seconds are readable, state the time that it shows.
6,44
